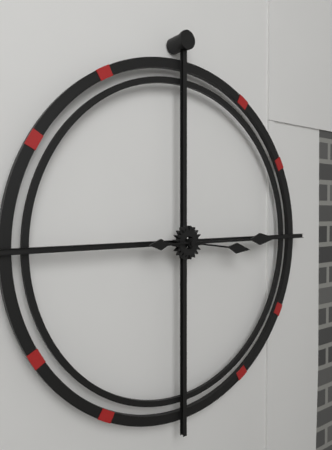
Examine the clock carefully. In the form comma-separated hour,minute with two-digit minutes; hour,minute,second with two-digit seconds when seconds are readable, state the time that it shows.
3,15
